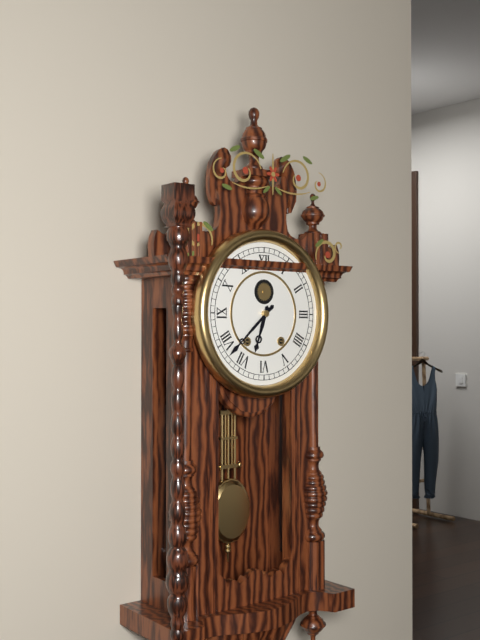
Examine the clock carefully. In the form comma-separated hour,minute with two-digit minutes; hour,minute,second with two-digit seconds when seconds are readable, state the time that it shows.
6,38
